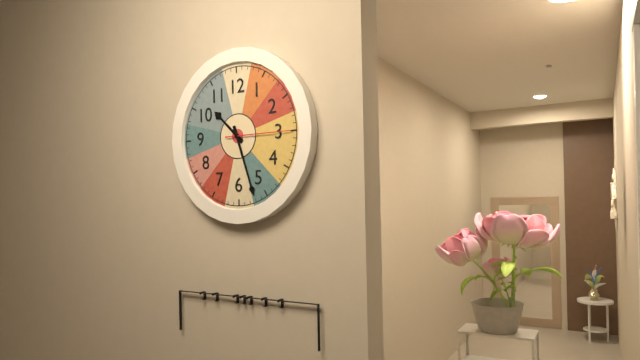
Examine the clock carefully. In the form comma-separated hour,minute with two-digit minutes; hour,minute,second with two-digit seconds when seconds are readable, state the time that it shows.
10,27,15
